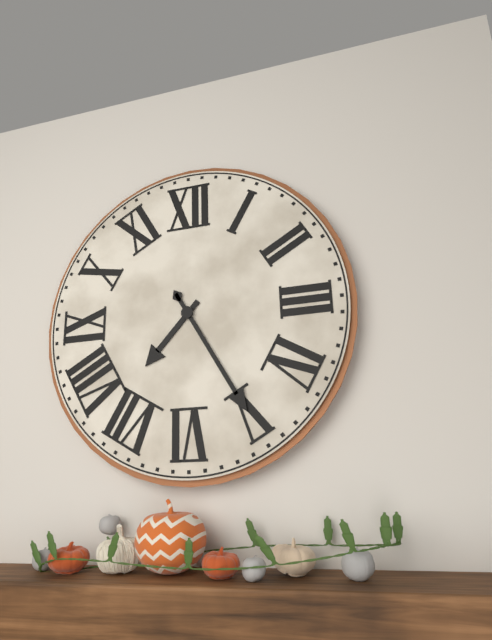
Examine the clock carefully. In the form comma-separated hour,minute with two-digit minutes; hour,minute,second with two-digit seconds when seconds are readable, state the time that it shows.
7,25
